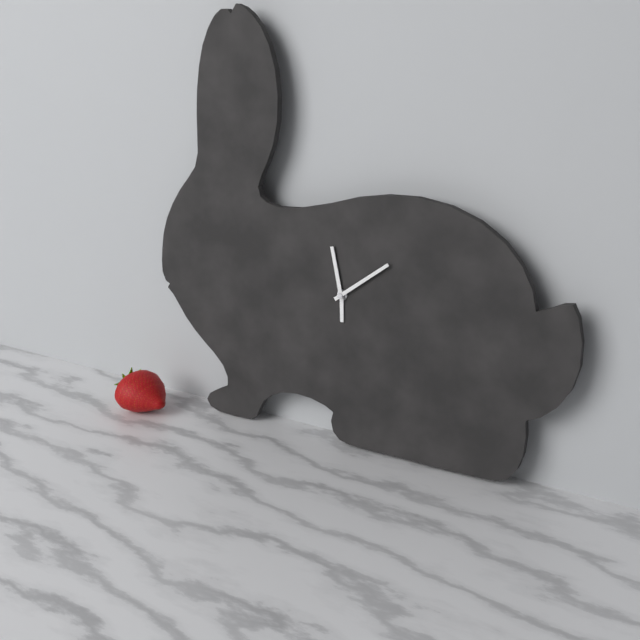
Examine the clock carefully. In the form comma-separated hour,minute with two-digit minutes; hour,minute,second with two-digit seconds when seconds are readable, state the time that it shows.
5,58,09
